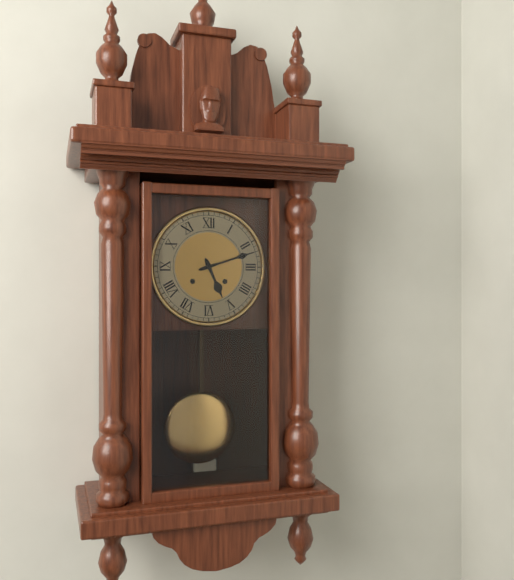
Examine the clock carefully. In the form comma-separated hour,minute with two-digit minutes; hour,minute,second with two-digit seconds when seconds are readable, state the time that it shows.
5,12
